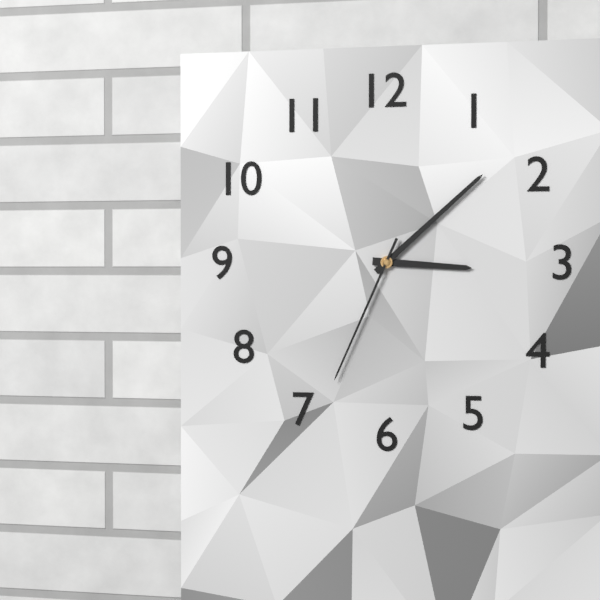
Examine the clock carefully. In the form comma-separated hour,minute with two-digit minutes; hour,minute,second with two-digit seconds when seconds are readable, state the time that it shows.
3,08,34
